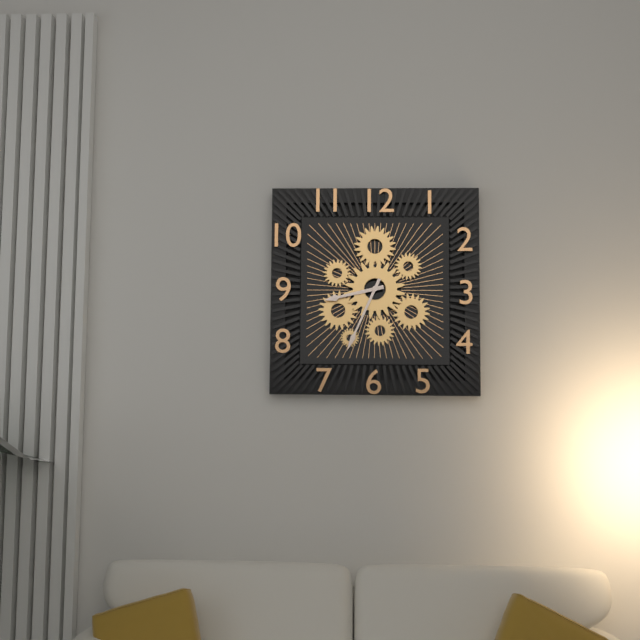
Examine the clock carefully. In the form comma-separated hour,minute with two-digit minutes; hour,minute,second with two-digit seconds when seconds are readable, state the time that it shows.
8,34
